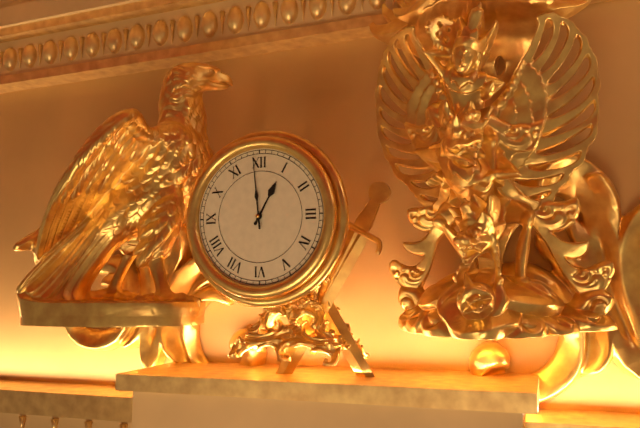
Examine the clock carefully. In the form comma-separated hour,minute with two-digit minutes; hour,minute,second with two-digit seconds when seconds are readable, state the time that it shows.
12,59
